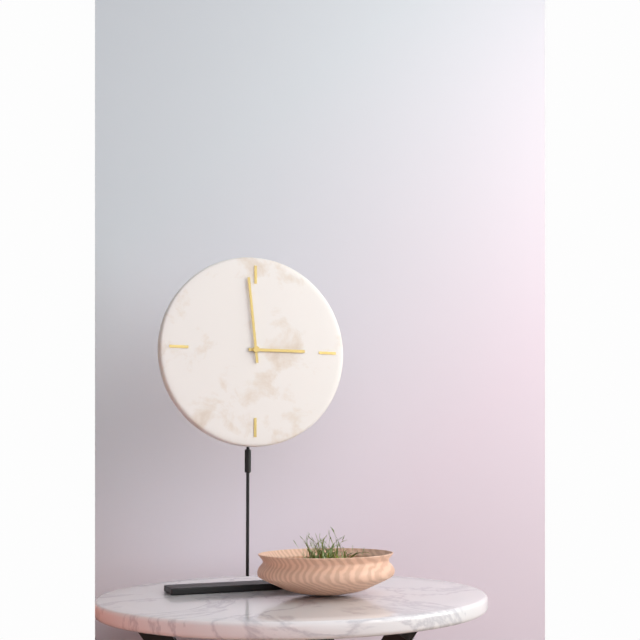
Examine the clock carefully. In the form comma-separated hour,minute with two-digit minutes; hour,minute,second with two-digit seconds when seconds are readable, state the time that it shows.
2,59
